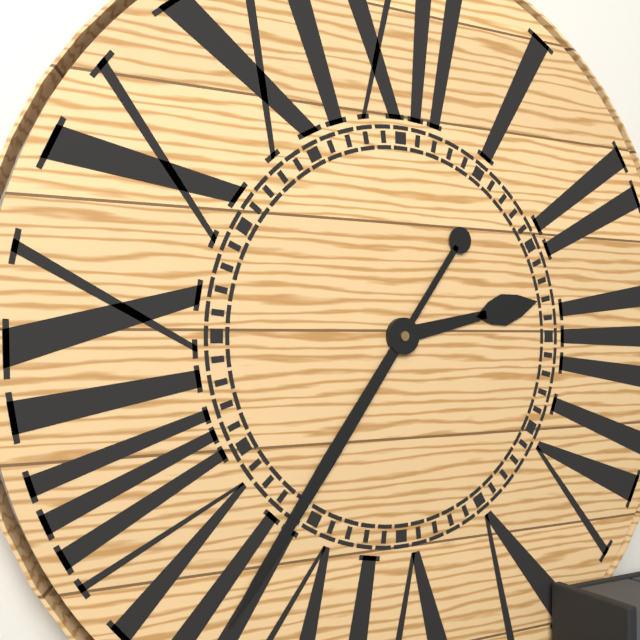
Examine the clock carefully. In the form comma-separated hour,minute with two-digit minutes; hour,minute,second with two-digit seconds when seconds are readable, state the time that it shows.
2,36
